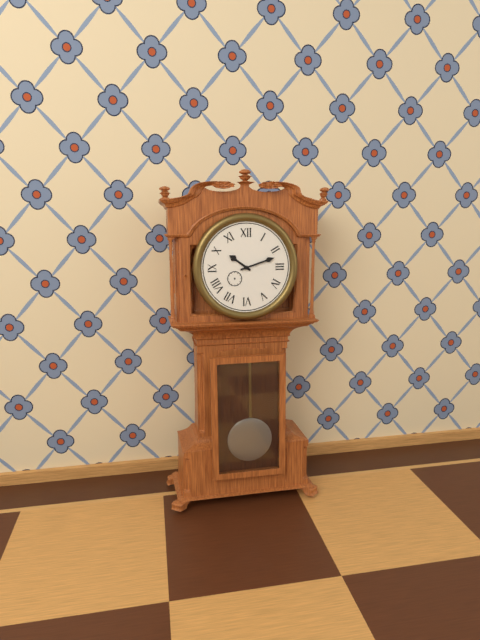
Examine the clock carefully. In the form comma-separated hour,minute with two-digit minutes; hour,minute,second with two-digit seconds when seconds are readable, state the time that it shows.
10,12
